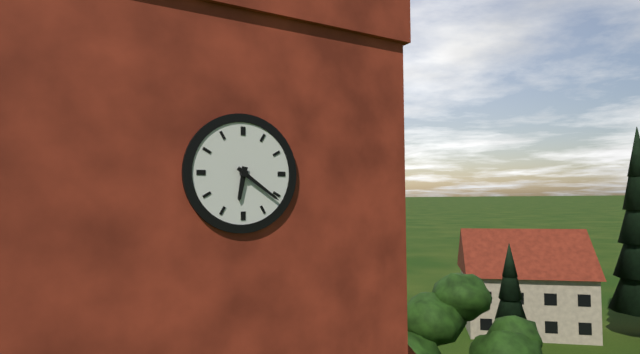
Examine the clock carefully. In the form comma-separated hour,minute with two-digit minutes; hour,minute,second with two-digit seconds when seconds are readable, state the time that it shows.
6,21
